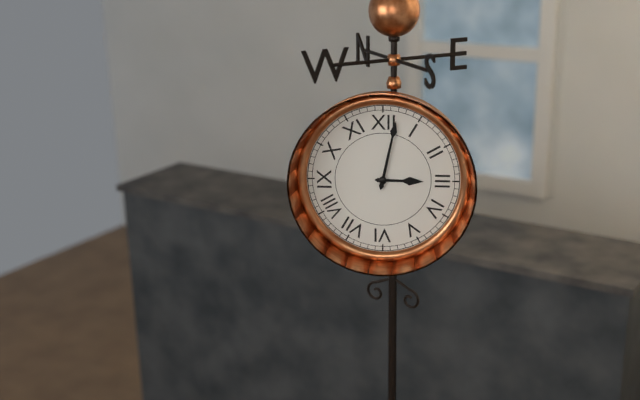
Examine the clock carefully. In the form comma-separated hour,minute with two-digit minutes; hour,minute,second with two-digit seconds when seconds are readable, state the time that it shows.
3,02
